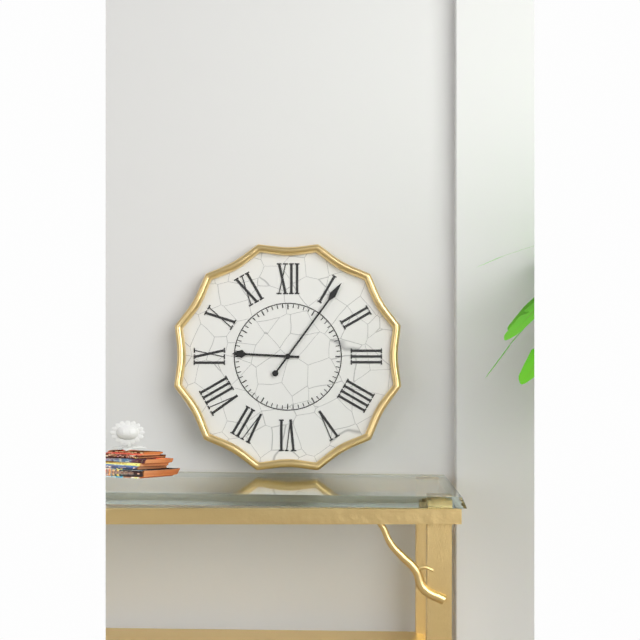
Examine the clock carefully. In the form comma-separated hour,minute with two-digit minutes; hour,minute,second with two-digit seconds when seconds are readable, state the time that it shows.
9,06
